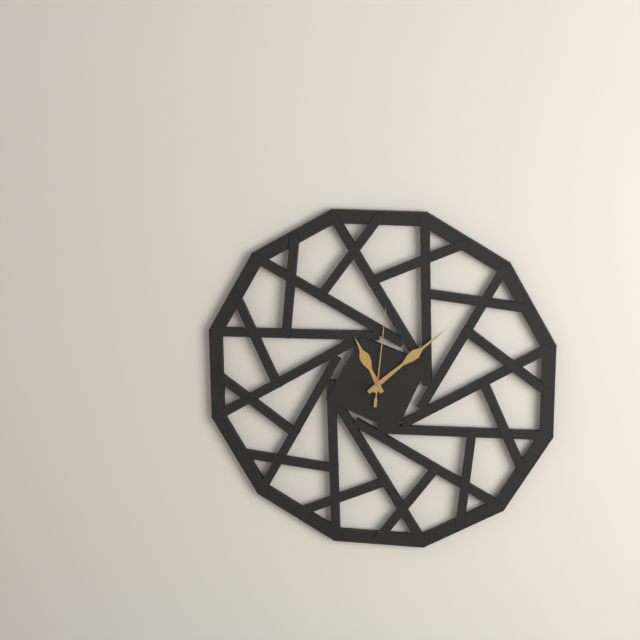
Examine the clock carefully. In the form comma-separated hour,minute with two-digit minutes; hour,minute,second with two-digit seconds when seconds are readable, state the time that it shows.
11,08,01
